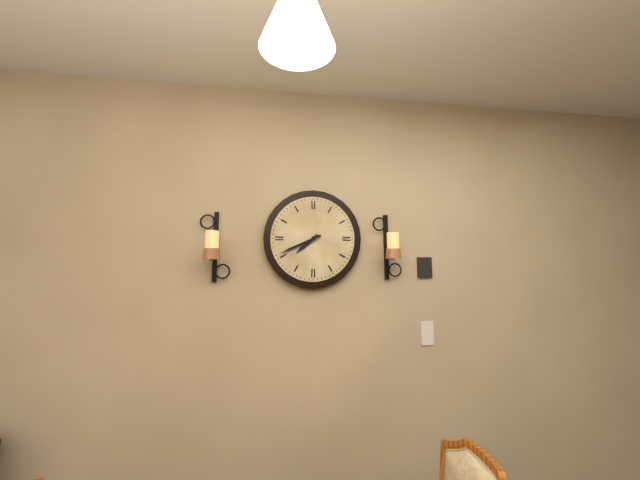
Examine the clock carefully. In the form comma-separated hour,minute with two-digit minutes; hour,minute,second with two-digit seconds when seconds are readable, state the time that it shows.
7,41
